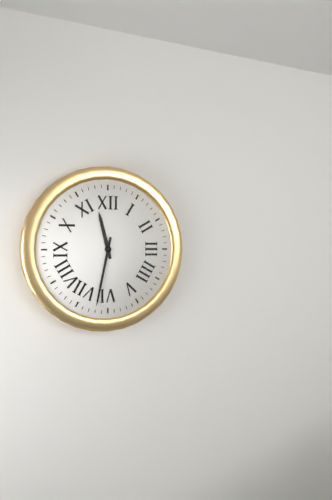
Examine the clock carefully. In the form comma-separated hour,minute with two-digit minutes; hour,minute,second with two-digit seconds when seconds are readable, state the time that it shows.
11,32
